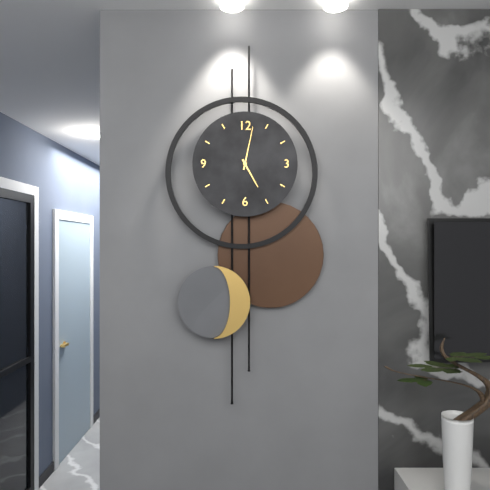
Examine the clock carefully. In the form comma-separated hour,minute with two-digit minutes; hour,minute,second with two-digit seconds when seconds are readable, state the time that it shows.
5,02
